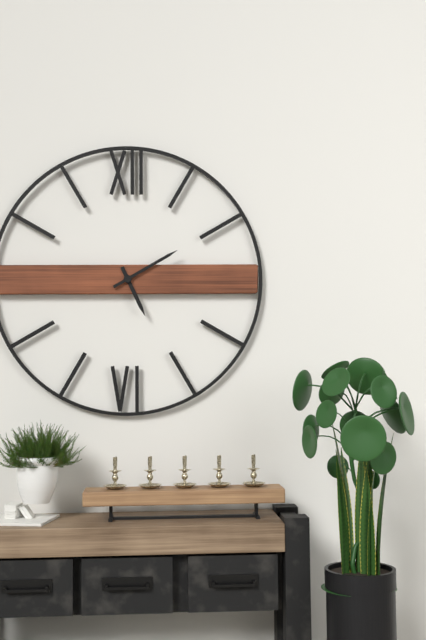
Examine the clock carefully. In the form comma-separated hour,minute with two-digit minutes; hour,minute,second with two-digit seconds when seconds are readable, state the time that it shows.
5,10
